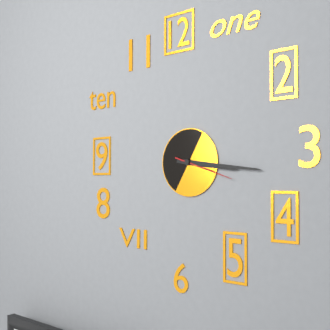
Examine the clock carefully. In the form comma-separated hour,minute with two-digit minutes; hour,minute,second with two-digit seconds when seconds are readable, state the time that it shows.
3,16,18
